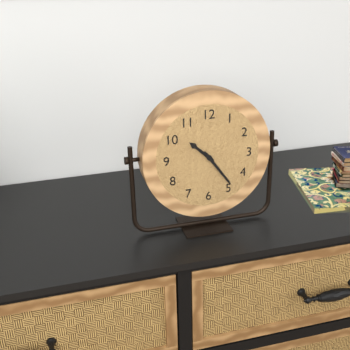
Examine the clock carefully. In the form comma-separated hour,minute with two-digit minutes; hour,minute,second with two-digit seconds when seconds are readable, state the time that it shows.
10,24
